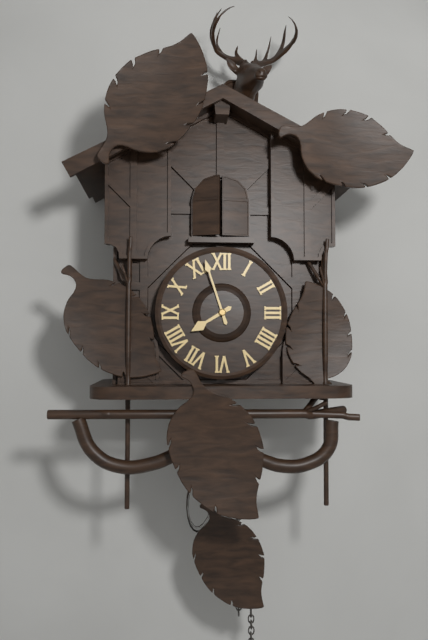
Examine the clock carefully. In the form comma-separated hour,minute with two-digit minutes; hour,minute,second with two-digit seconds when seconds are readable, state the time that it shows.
7,57
